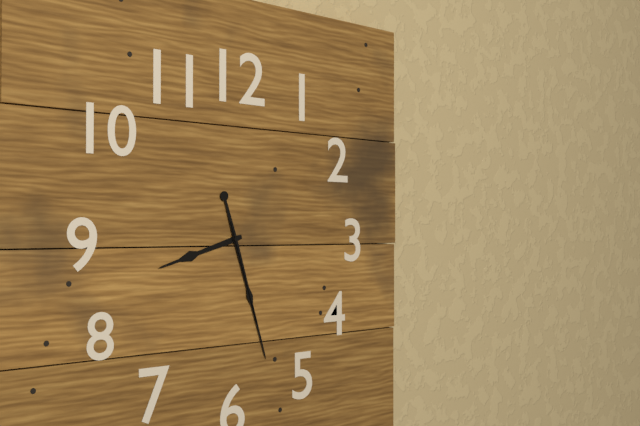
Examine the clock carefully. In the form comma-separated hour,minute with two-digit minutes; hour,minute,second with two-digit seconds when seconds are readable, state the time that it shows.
8,27,27
